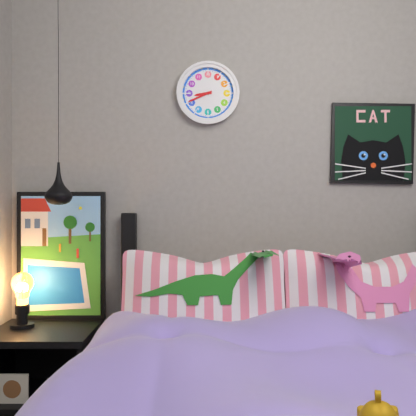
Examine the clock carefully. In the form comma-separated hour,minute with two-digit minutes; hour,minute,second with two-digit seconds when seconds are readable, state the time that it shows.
8,41
